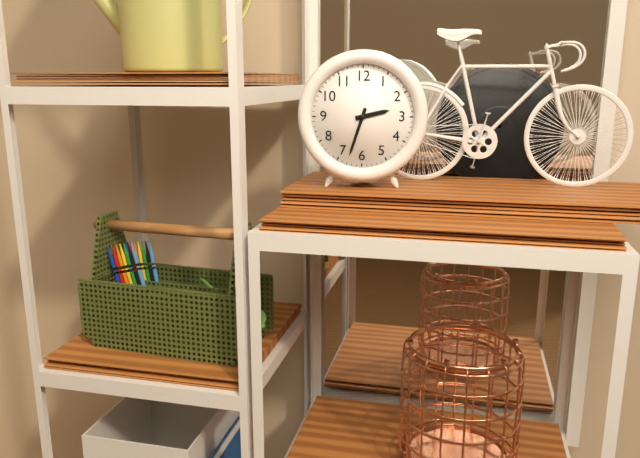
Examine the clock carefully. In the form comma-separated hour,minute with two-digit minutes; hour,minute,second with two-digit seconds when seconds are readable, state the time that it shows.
2,33
